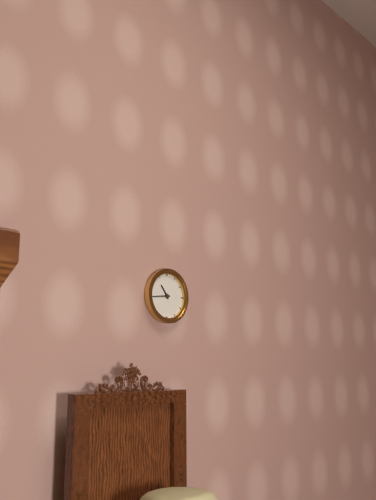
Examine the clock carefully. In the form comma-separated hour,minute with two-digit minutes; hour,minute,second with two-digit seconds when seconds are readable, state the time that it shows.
10,44
